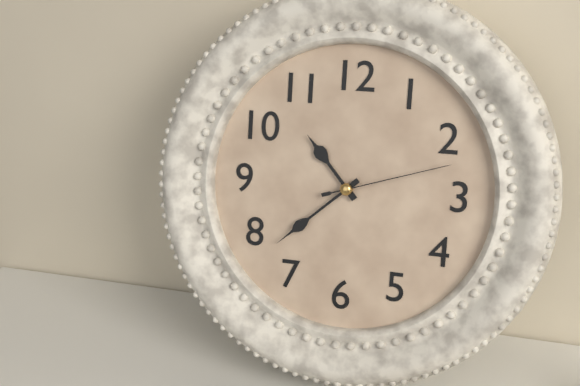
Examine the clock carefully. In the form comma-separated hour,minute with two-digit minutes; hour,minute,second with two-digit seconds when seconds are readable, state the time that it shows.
10,38,12
